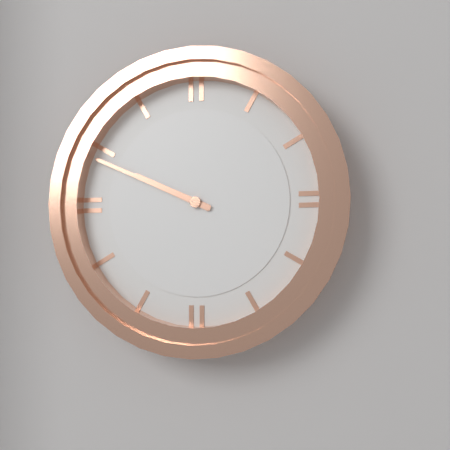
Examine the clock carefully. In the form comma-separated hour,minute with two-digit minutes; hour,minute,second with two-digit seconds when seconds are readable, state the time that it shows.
9,49
